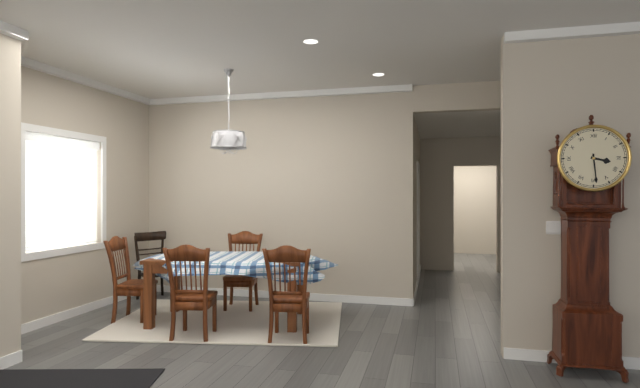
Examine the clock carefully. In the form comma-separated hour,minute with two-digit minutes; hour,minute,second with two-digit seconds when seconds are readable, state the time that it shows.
3,29
